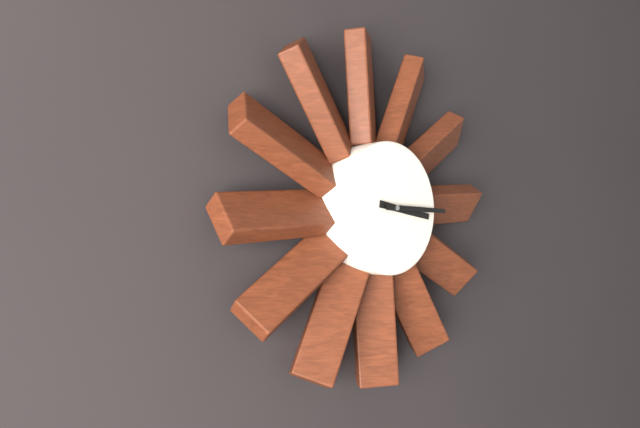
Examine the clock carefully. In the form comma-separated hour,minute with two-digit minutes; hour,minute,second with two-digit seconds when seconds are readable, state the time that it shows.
3,15
